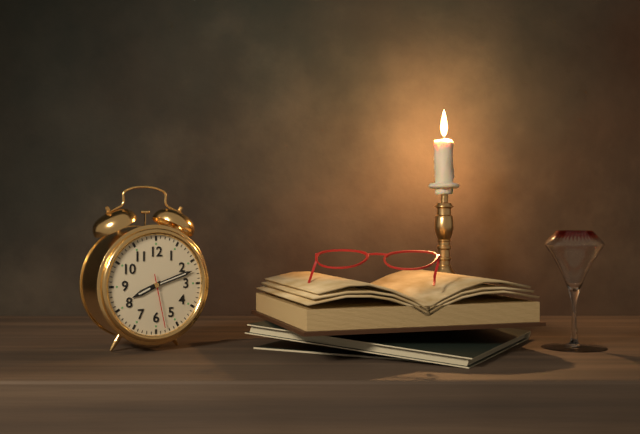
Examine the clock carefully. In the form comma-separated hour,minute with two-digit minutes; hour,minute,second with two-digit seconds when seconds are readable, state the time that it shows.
8,12,28
